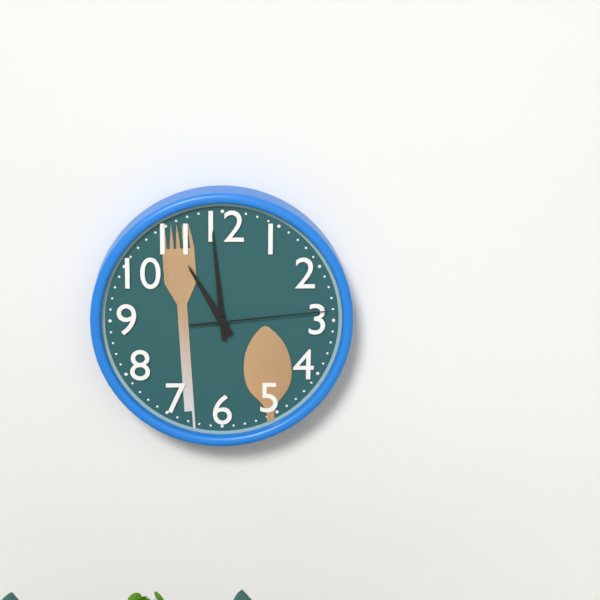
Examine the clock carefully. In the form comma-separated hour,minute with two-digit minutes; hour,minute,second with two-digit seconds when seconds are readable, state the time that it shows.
10,59,14
